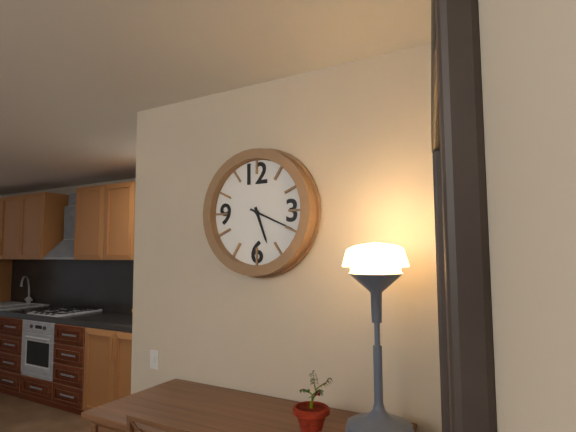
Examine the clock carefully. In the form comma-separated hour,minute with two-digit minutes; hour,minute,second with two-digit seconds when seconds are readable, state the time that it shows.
5,19
